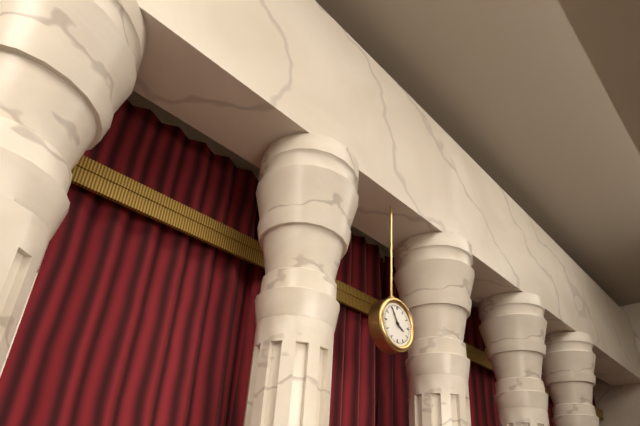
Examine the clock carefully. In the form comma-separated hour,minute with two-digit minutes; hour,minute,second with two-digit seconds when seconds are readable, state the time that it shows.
3,55
